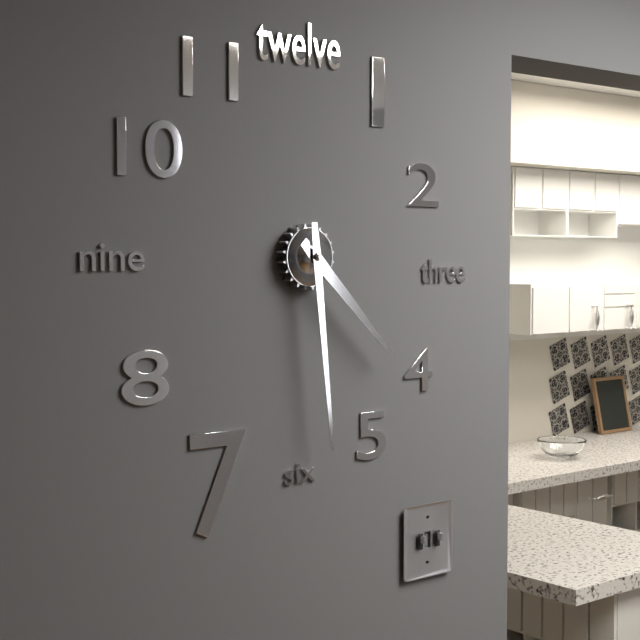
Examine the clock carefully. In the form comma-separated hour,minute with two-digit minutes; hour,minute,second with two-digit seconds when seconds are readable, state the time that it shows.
4,29
